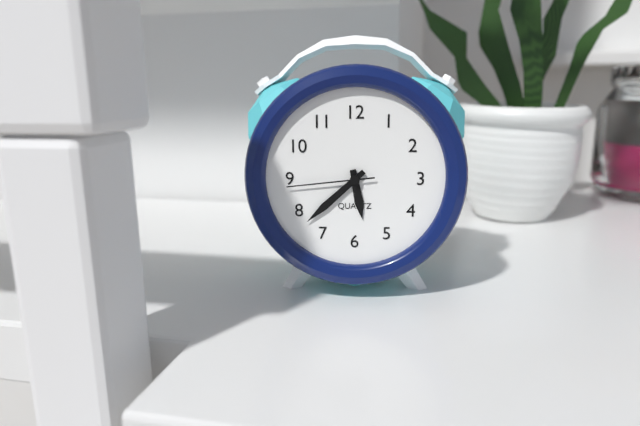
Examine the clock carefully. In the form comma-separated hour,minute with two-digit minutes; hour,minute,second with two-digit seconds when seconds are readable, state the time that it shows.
5,38,44
